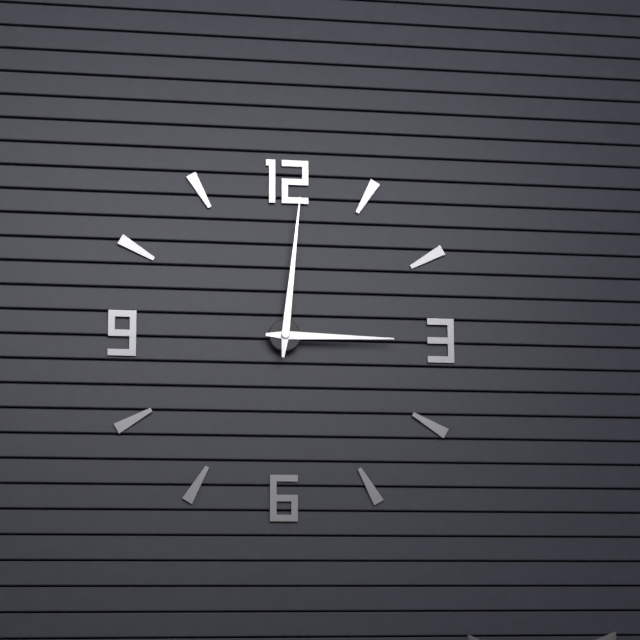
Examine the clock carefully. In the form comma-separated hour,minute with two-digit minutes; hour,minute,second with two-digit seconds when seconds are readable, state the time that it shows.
3,01
